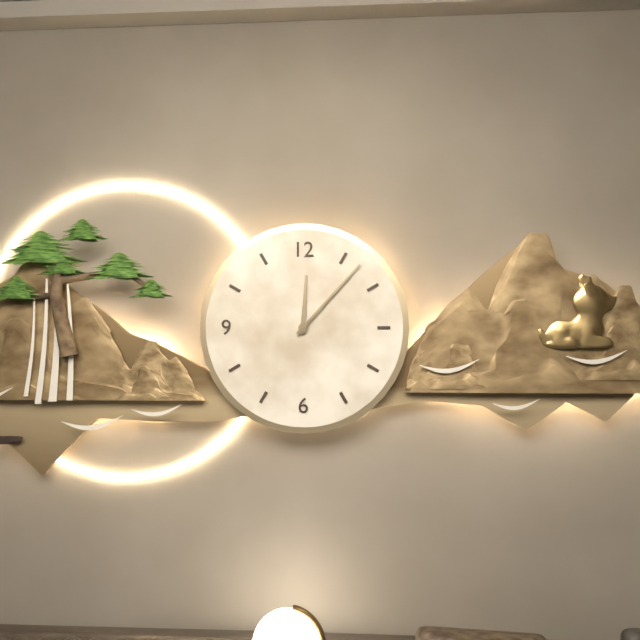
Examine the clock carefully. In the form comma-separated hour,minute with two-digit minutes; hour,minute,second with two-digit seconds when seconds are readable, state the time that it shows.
12,07
